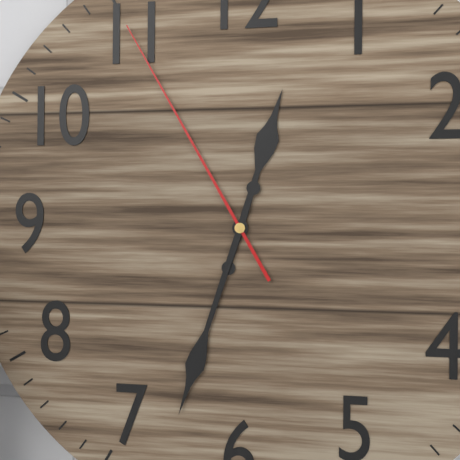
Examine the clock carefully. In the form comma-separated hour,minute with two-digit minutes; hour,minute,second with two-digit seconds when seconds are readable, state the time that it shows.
12,33,55
